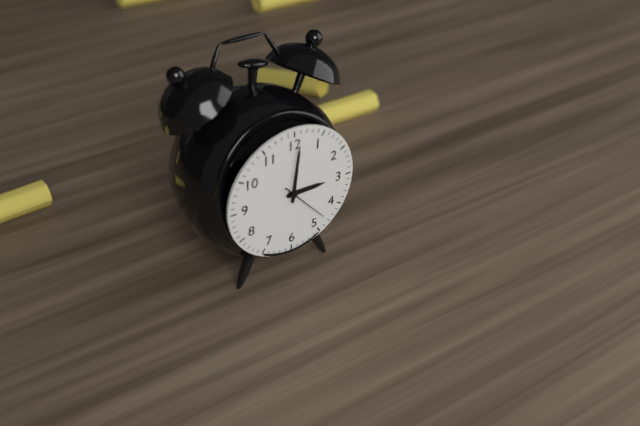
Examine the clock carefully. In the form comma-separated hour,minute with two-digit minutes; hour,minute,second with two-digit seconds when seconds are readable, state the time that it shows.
3,01,23
